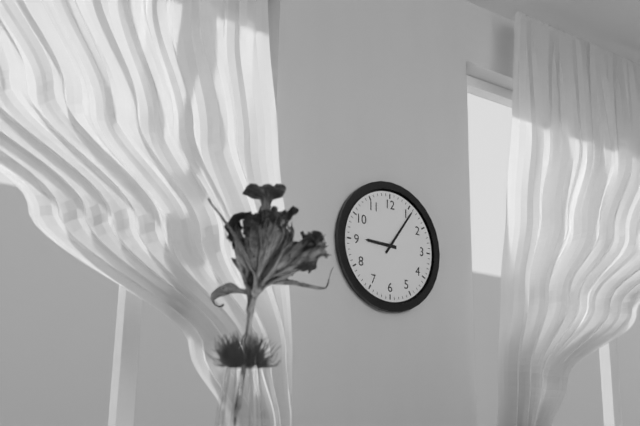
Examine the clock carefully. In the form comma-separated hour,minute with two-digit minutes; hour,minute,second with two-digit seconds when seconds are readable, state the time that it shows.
9,06
